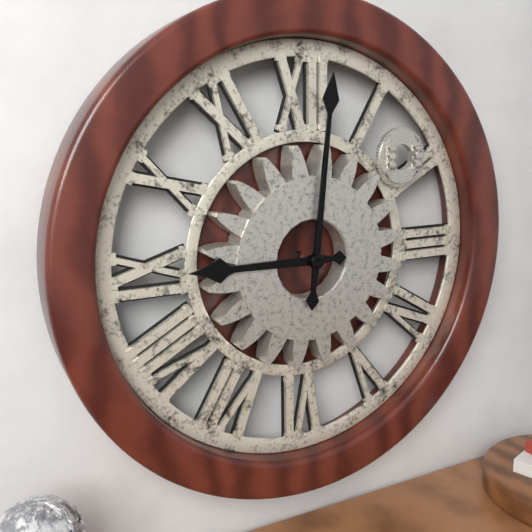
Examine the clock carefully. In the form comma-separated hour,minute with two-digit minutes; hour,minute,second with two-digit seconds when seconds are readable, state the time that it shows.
9,01
